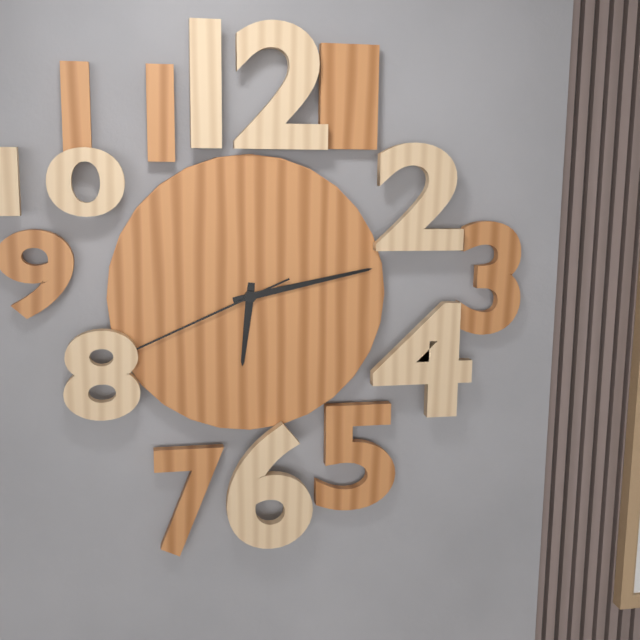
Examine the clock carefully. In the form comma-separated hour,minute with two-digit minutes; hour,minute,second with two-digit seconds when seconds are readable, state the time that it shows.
6,13,41
